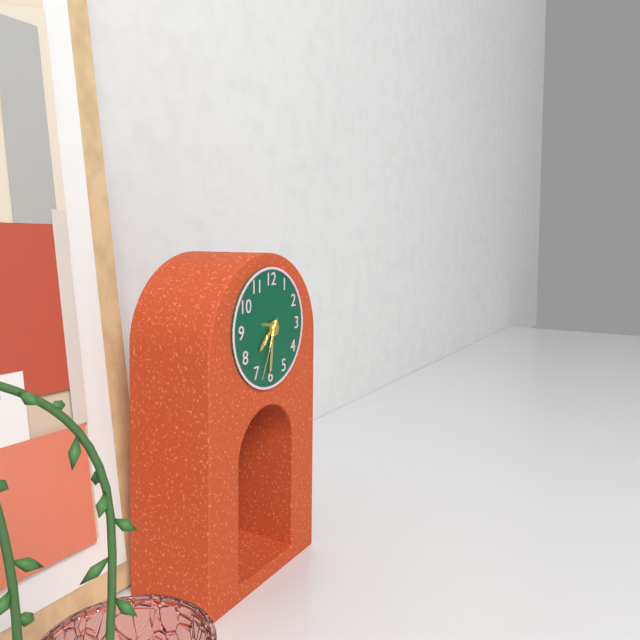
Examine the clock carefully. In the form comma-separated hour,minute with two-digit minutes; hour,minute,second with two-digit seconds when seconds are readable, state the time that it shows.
7,31,34
